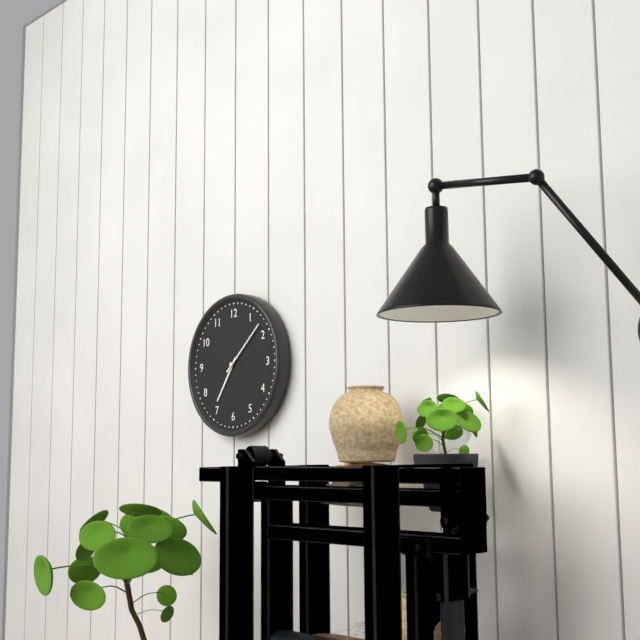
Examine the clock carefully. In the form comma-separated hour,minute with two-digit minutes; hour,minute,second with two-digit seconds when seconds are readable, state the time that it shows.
7,08
